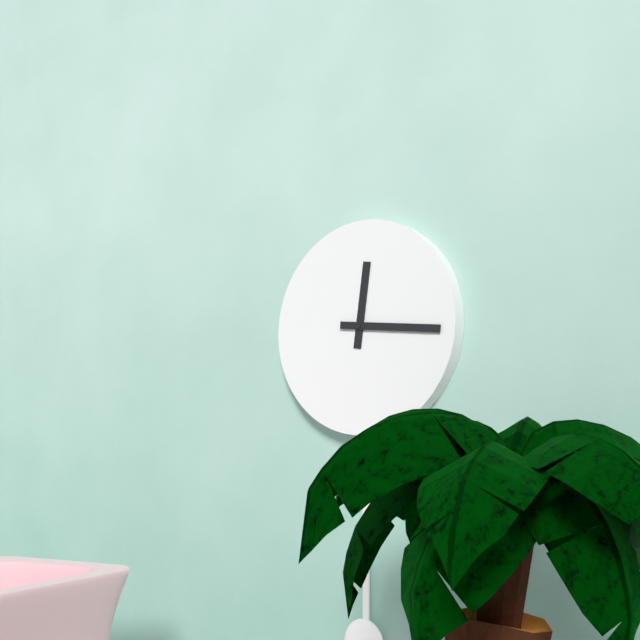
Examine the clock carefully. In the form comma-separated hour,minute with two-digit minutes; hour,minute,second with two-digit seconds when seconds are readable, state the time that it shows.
12,16
